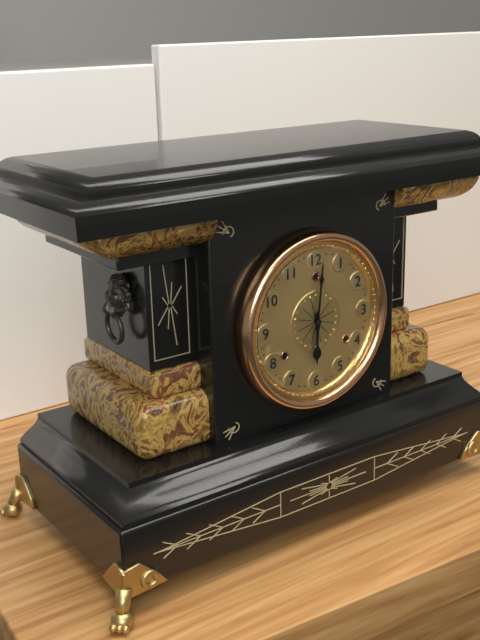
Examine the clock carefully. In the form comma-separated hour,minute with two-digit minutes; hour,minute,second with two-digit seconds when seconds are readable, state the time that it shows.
6,01
